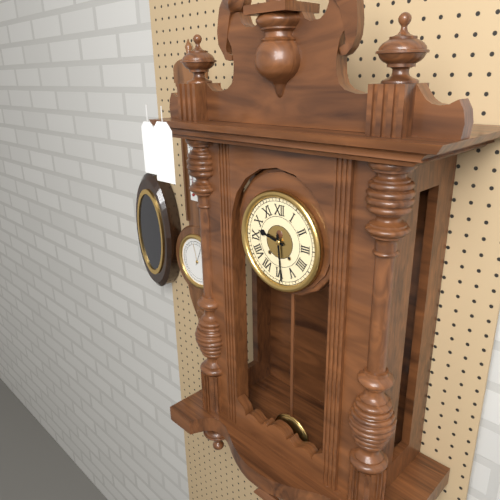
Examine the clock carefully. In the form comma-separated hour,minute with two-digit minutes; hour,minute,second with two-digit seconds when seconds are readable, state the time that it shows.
9,29
